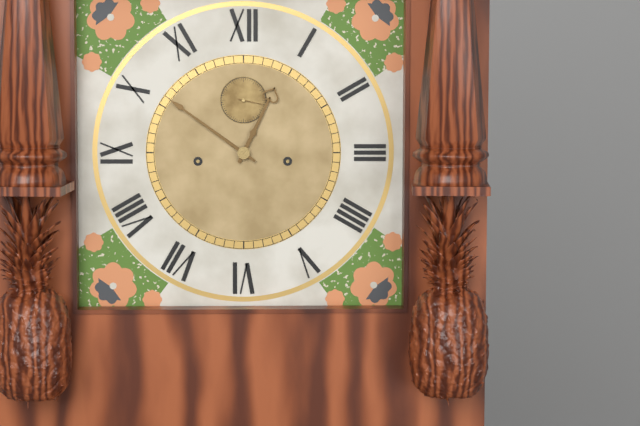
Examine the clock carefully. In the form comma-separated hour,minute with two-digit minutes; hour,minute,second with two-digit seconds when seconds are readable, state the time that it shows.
12,51
